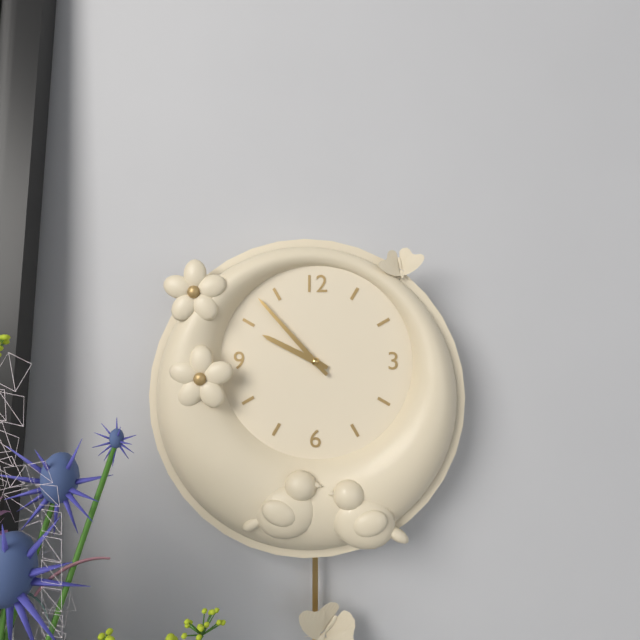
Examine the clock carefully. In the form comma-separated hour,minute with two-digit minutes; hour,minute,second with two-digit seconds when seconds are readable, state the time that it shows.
9,53
